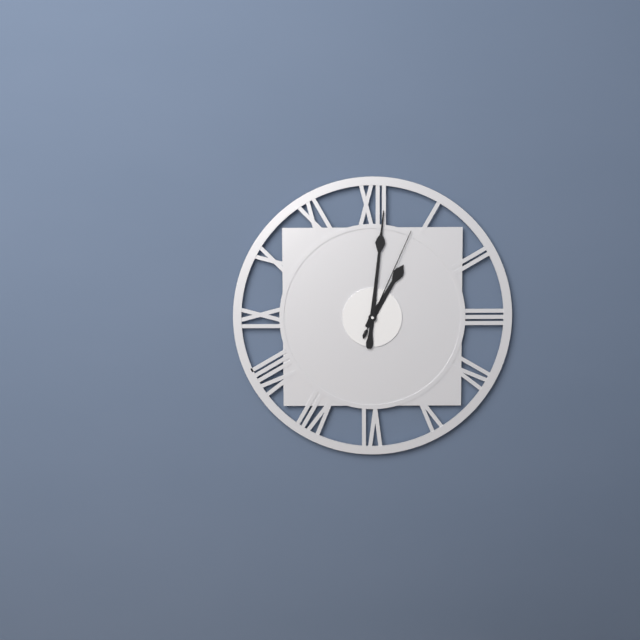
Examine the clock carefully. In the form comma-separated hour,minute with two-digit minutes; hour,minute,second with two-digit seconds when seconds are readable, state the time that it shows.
1,01,04
